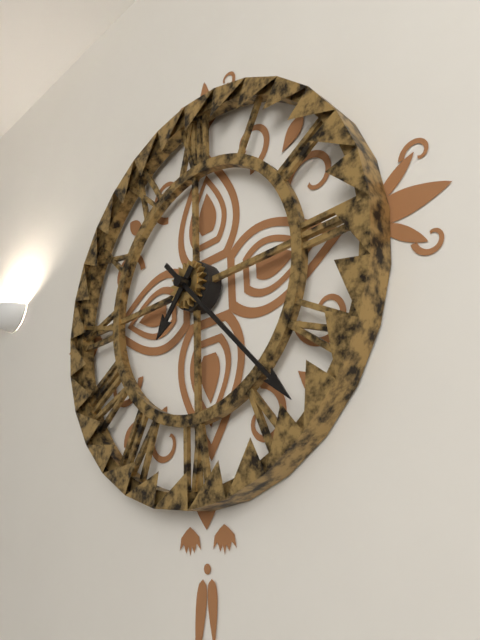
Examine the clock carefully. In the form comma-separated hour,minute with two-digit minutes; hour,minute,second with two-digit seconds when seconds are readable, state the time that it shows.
7,23
